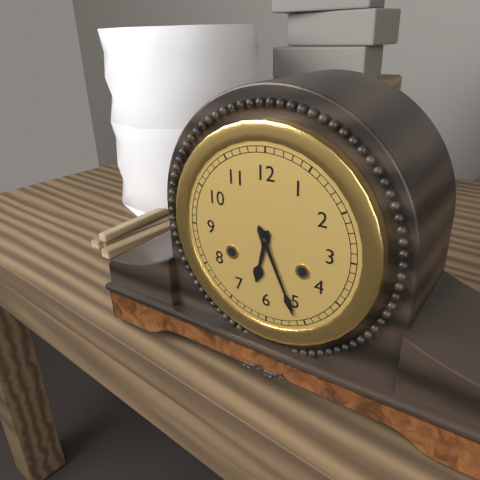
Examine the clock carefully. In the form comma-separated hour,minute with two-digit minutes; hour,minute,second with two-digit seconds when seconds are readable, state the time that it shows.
6,26
